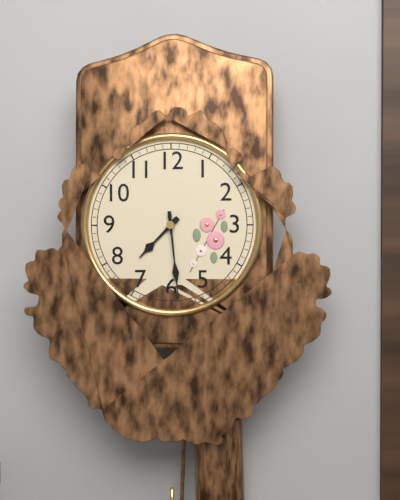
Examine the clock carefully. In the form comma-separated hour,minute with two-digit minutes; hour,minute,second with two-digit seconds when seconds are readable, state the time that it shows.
7,29
